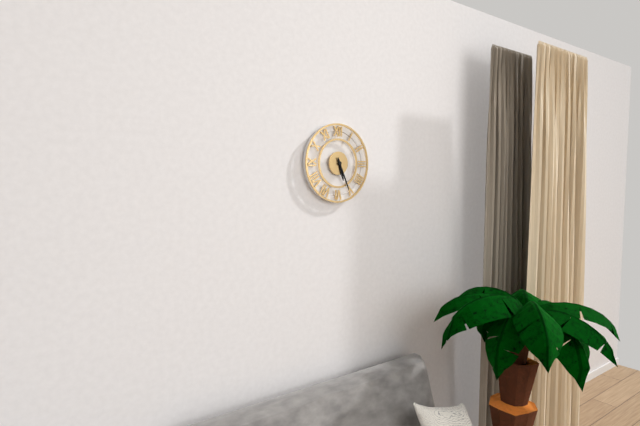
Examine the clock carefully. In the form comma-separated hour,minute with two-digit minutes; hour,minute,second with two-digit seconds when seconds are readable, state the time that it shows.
5,26
